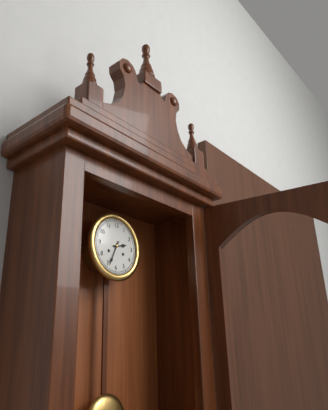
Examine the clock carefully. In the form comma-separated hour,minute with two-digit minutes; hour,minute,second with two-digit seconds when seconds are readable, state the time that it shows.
2,34
